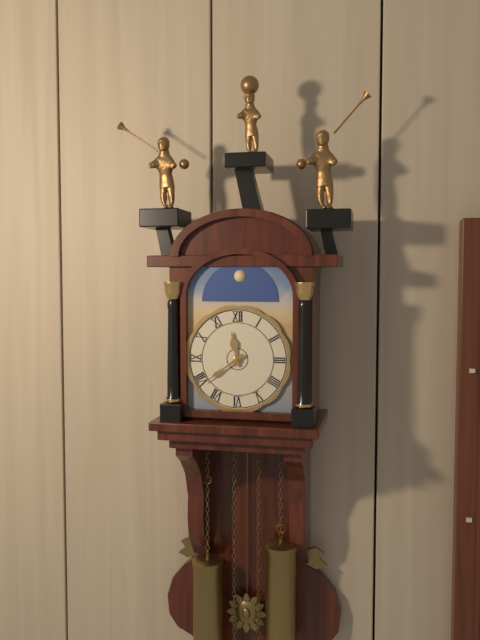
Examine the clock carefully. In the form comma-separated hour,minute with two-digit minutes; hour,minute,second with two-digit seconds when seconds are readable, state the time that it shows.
11,39
